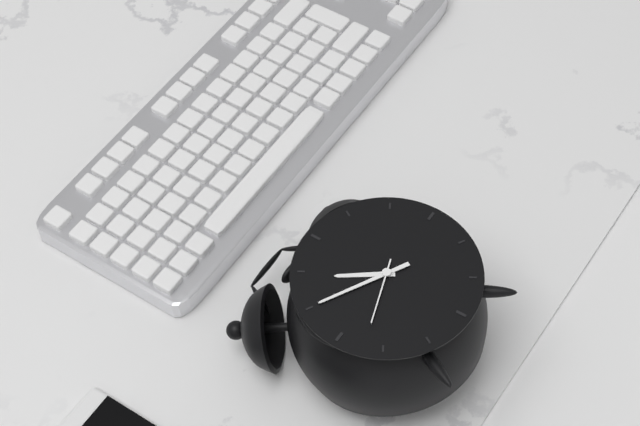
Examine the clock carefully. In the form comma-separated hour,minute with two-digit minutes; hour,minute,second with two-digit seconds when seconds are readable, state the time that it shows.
10,50,42
